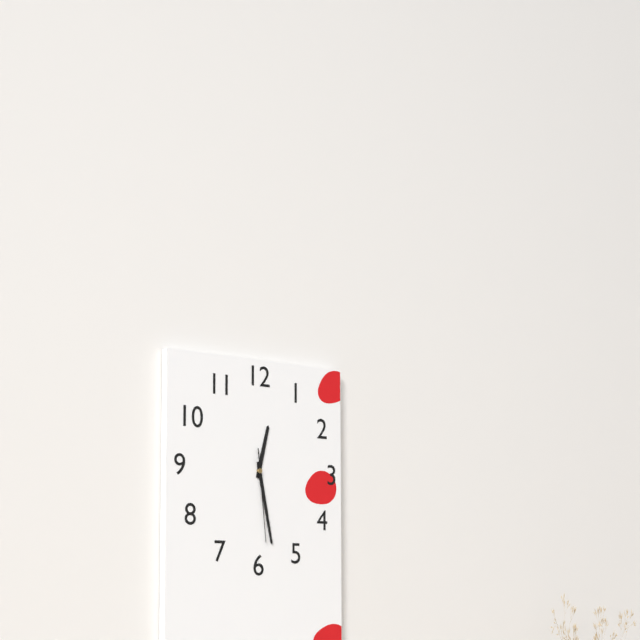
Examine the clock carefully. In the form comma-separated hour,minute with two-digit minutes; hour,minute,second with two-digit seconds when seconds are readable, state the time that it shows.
12,28,29
